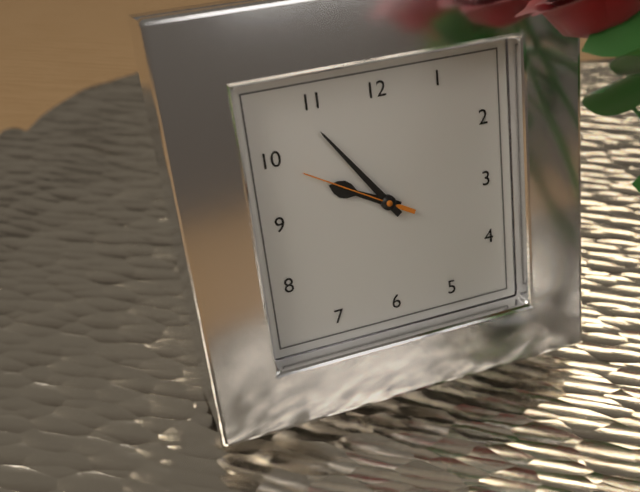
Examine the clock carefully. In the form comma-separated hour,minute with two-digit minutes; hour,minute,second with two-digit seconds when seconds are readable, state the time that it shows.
9,54,50
